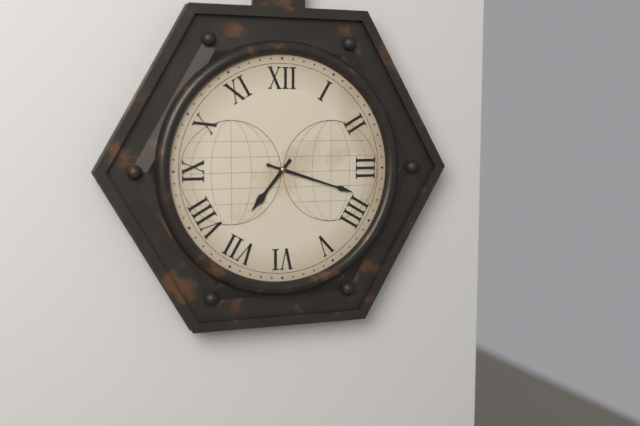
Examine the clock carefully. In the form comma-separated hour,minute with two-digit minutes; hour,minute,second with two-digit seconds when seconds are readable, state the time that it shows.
7,18
